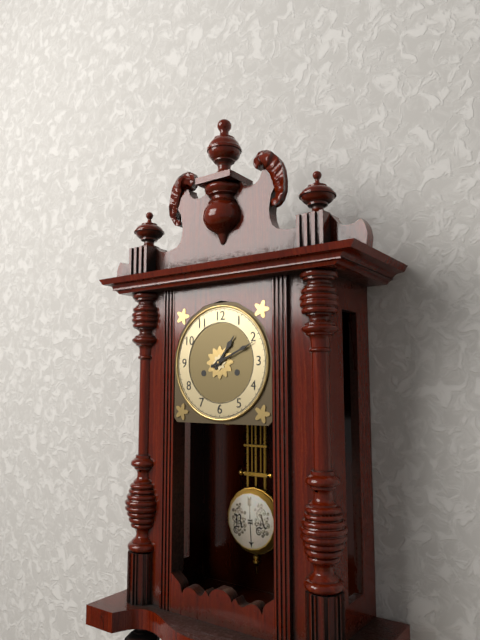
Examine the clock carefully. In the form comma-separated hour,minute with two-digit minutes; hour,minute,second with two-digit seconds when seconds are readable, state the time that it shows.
1,11
